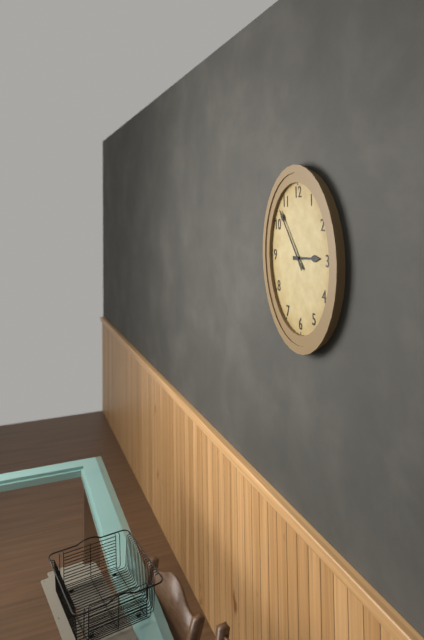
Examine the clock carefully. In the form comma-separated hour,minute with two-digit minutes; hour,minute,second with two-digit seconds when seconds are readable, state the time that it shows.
2,54
